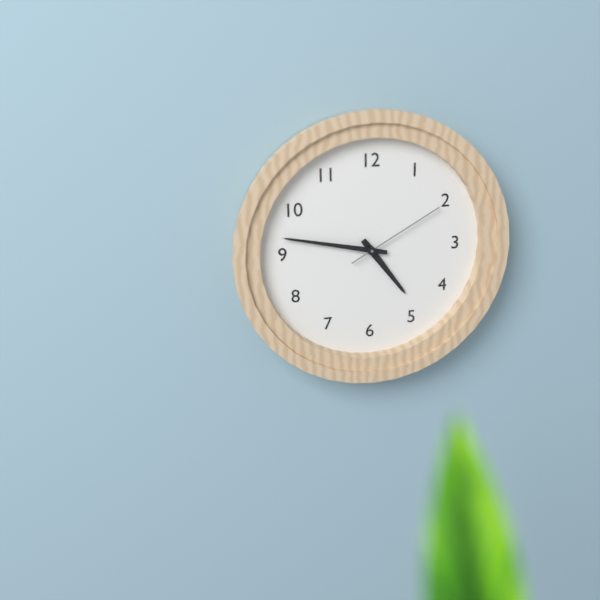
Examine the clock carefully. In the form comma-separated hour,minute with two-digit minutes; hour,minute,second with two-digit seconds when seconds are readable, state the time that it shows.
4,47,10
